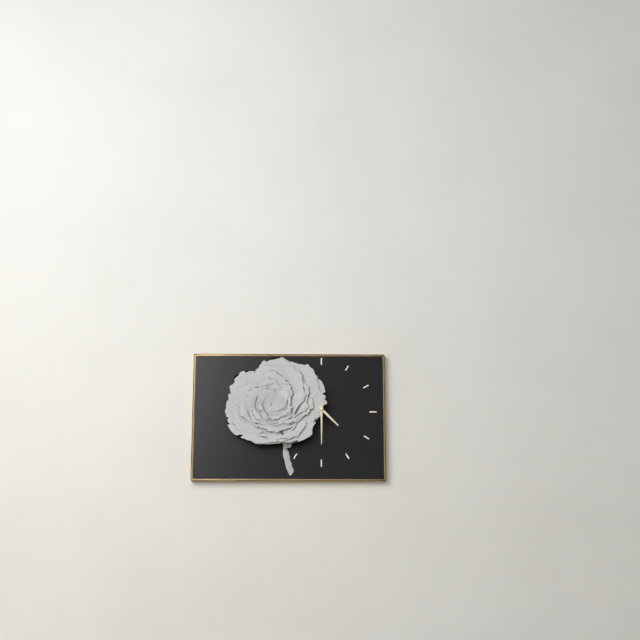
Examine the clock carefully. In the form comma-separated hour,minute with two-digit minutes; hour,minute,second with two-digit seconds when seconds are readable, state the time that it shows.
4,30
